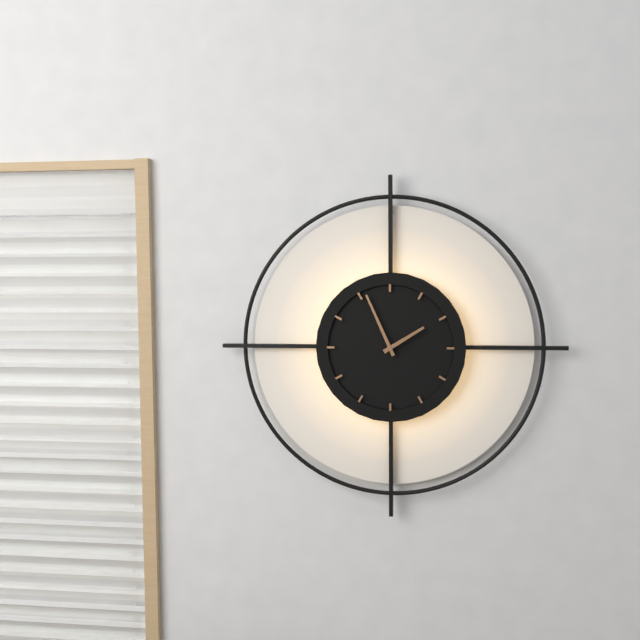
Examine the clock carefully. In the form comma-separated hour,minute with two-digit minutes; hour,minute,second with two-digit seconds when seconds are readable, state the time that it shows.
1,56
